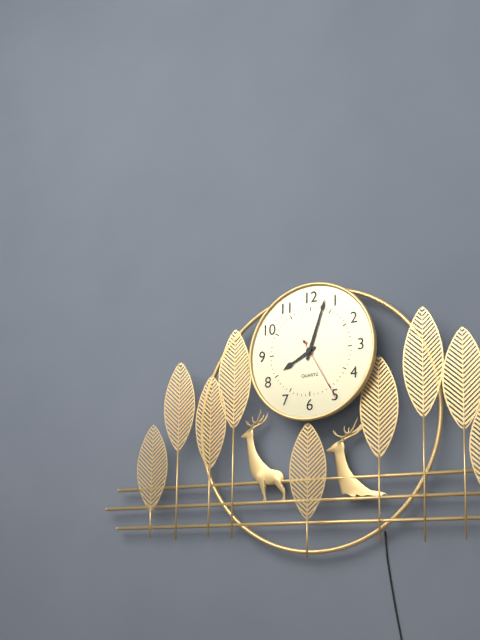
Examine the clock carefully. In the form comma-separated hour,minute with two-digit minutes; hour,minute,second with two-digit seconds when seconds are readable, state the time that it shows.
8,03,25
